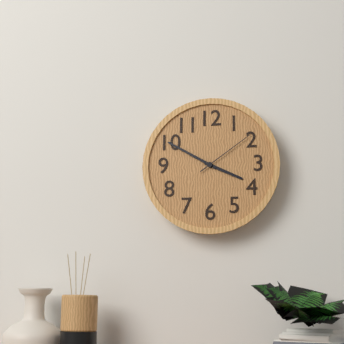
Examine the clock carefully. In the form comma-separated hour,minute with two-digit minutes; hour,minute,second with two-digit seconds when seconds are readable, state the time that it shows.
3,50,09
